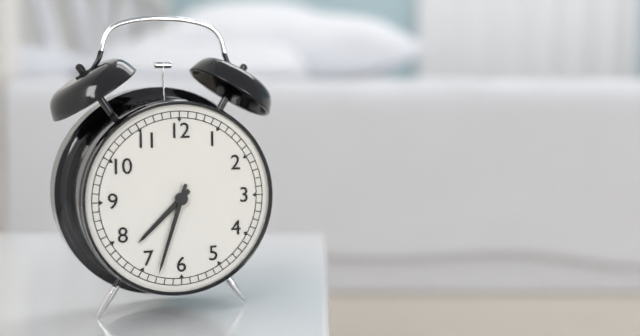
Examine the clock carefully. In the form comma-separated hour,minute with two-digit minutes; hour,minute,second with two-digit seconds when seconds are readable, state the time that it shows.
7,33
